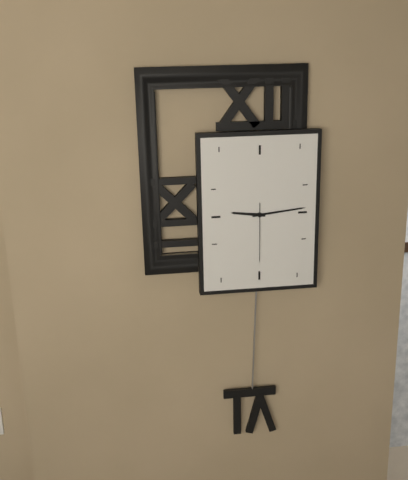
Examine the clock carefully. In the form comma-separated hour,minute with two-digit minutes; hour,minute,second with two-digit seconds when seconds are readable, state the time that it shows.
9,14,30
